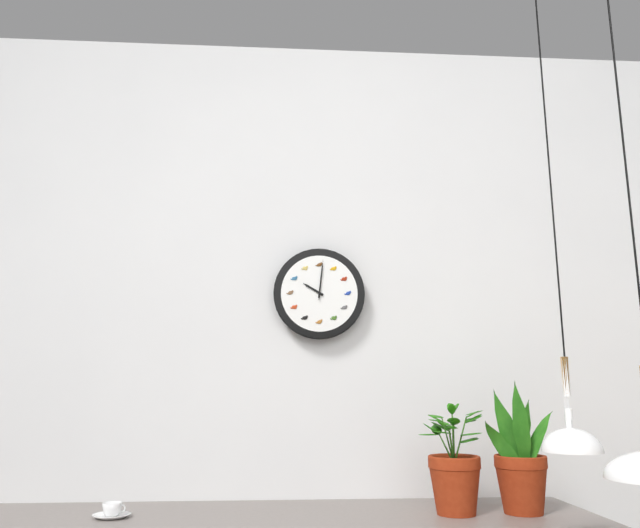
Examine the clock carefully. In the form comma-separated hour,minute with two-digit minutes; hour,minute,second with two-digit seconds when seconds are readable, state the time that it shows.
10,01
